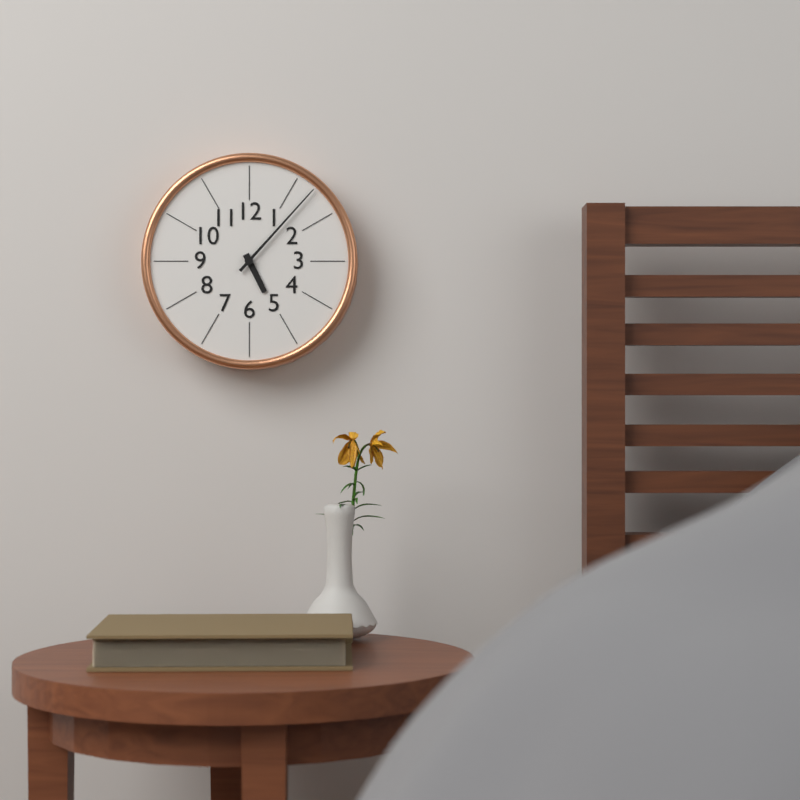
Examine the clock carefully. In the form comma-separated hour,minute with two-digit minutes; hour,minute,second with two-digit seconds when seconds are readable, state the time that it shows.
5,07
